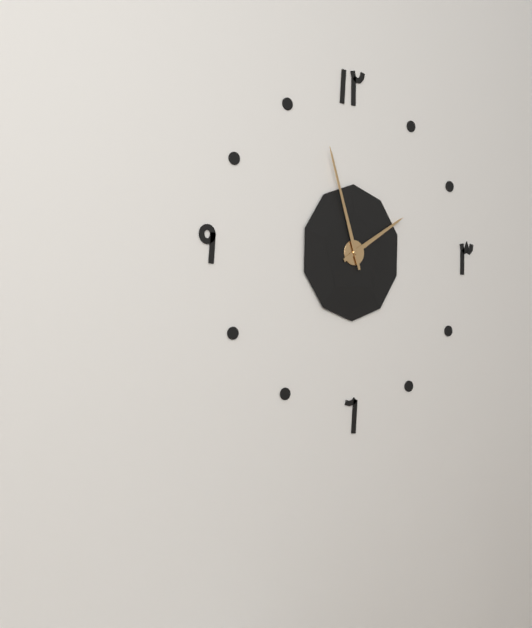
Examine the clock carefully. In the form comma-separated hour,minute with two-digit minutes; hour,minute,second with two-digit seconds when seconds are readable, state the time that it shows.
1,57
